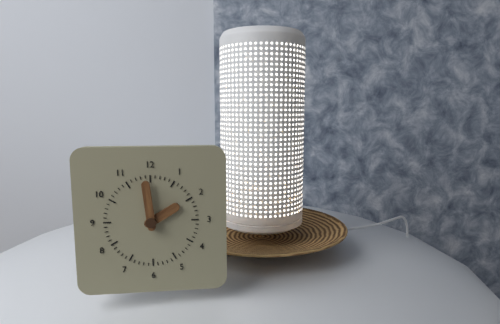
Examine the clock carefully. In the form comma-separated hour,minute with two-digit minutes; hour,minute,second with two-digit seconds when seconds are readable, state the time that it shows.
1,59
